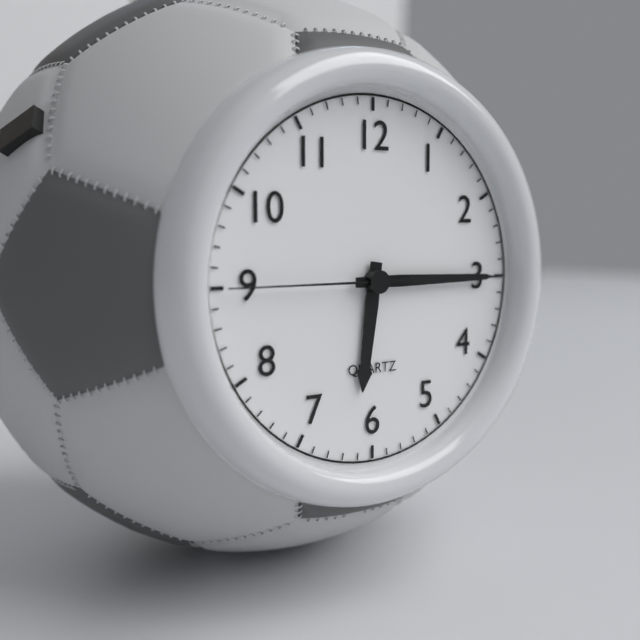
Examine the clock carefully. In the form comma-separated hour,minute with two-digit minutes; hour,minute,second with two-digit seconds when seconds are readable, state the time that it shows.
6,15,45
